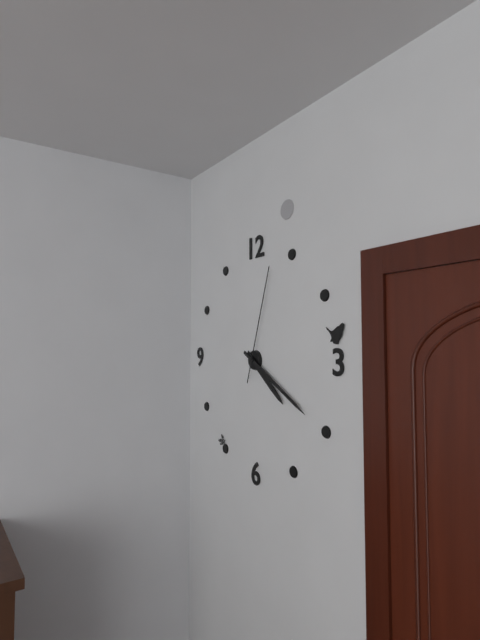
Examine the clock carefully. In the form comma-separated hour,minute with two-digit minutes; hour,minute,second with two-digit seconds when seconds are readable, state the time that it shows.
4,20,03
